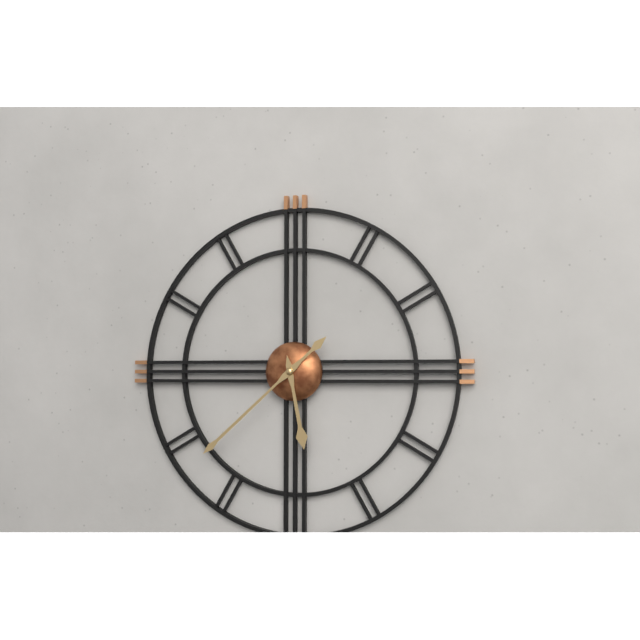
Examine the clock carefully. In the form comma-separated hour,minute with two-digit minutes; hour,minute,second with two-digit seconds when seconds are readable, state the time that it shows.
5,38
